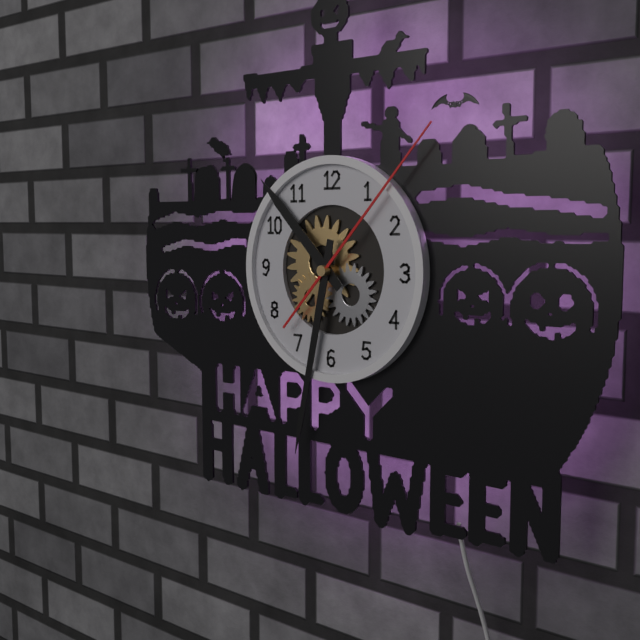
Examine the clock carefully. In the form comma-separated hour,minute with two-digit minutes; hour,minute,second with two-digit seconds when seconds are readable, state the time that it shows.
10,32,07
